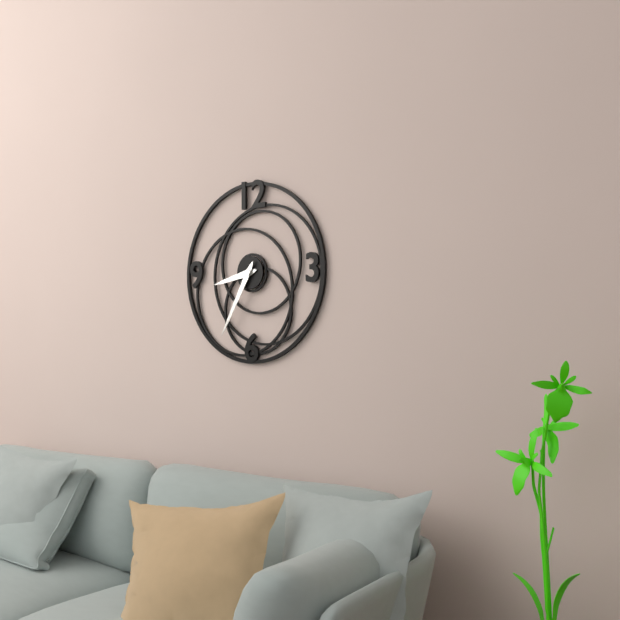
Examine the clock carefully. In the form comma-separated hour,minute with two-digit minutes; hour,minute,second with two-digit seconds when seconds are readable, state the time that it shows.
8,35
